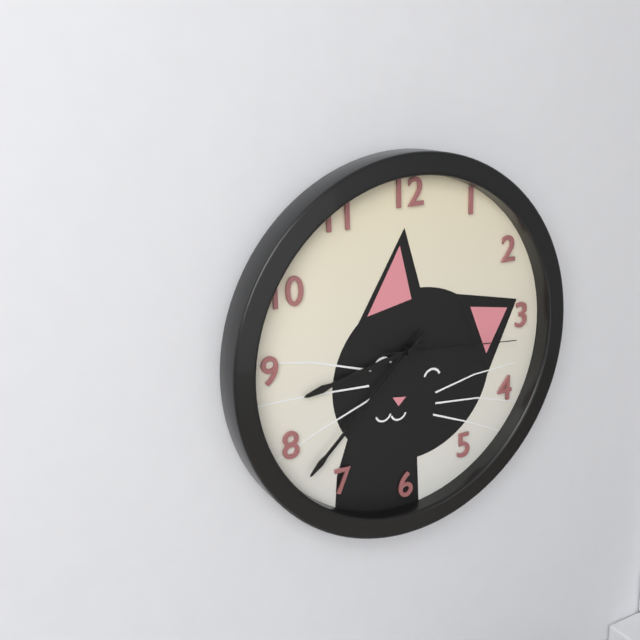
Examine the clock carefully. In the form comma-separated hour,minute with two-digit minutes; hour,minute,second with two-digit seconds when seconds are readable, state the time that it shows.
8,38,16
